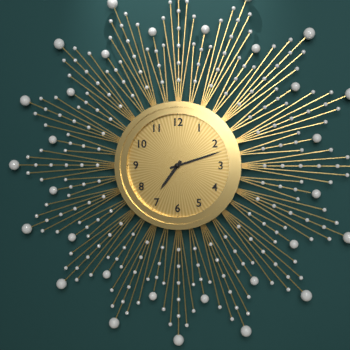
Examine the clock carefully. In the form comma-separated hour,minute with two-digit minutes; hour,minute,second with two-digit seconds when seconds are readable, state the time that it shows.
7,12
